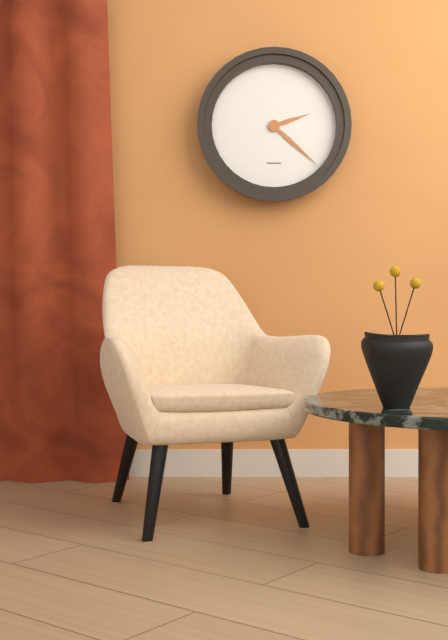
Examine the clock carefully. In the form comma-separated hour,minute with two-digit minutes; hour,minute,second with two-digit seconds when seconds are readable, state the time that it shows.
2,22
